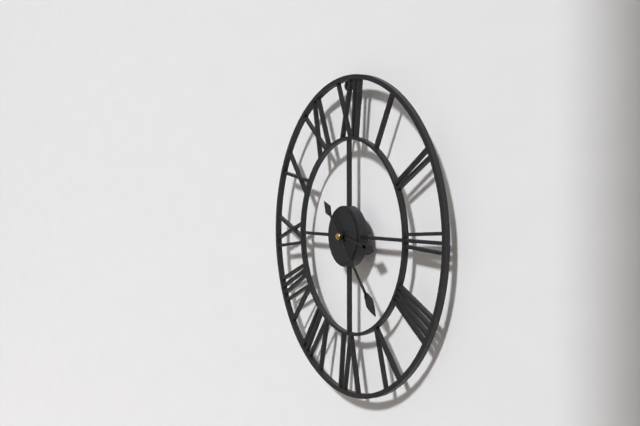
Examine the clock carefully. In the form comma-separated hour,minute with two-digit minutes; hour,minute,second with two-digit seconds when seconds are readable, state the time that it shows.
3,23
